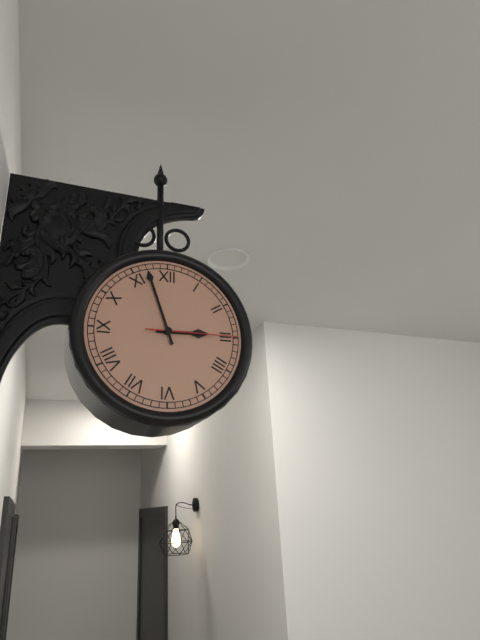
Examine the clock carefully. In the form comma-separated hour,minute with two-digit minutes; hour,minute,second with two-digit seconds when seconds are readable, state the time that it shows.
2,57,15
